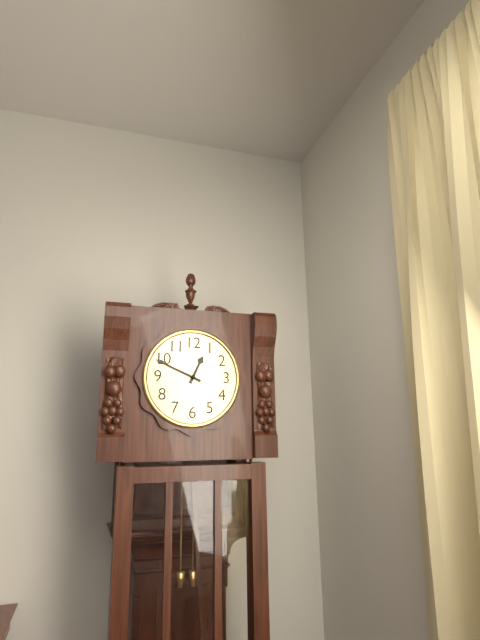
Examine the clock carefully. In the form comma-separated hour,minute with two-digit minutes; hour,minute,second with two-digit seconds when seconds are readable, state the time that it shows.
12,49
